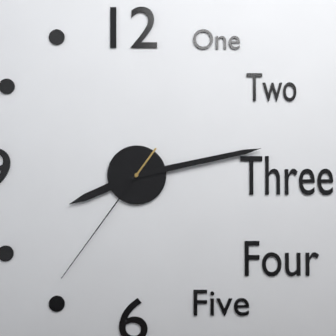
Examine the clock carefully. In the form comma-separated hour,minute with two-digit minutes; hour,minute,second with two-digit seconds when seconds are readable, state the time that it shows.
8,13,36
